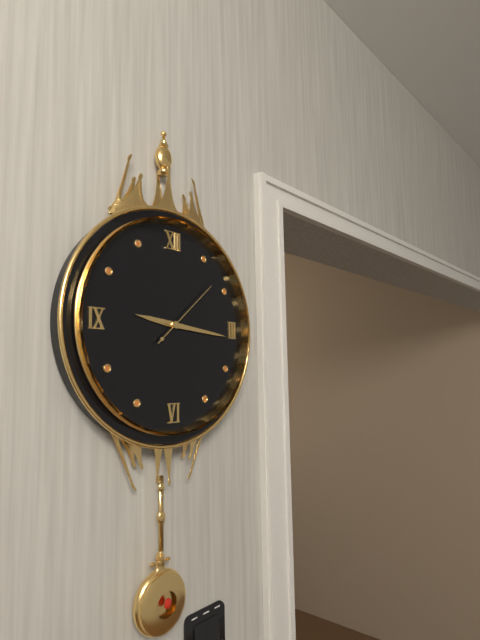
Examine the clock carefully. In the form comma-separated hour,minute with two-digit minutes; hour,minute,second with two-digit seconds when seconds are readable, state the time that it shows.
9,16,08
